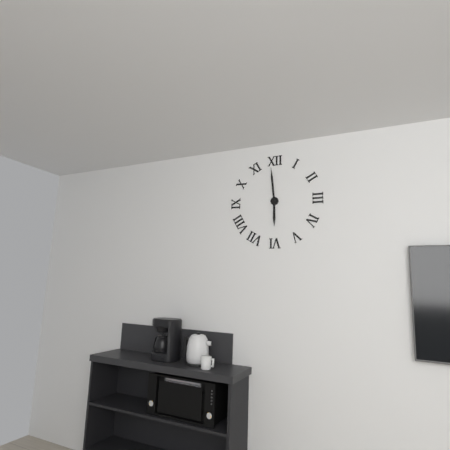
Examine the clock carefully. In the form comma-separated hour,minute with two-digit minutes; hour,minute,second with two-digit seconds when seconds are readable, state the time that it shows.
5,59
